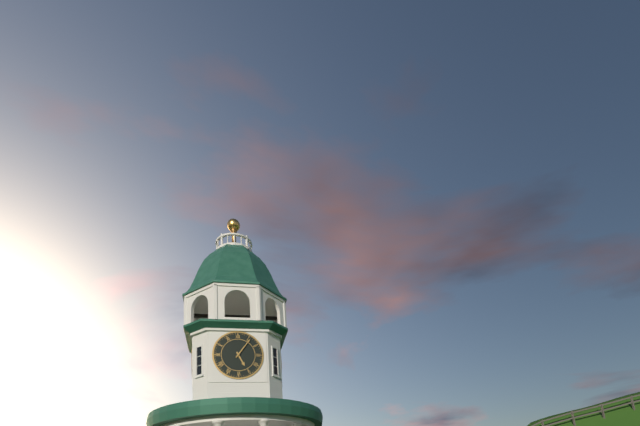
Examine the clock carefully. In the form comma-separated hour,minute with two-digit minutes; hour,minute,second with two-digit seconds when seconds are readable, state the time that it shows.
5,06
